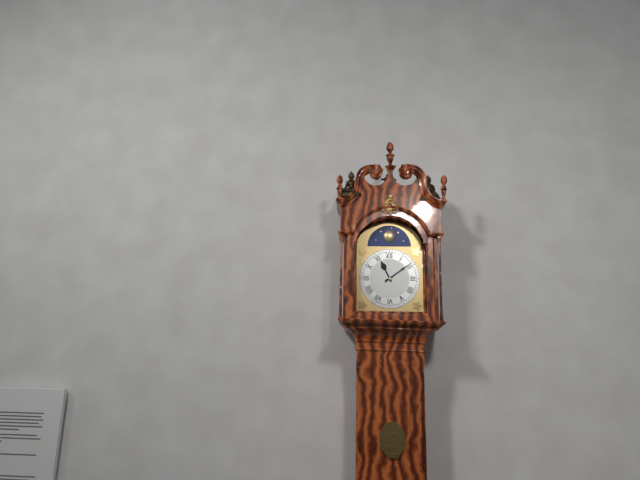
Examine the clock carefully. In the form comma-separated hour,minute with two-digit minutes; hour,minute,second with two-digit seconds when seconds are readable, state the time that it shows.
11,09
